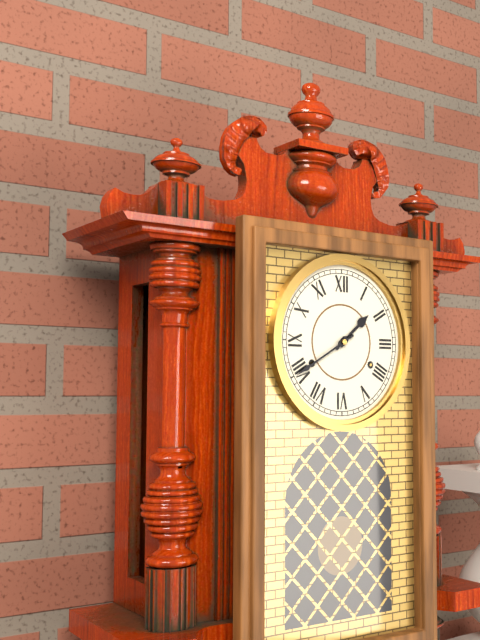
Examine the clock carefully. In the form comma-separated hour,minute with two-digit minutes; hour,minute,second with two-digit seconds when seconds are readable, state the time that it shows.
1,40
